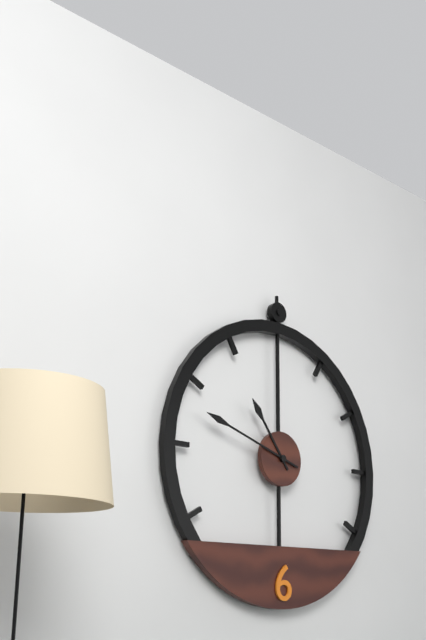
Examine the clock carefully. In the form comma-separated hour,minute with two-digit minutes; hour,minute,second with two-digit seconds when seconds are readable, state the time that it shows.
10,48
